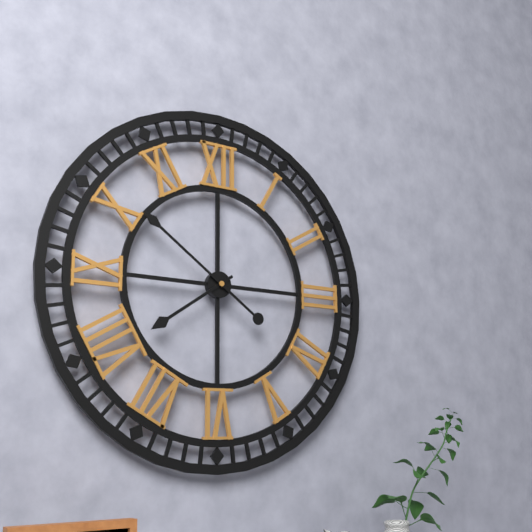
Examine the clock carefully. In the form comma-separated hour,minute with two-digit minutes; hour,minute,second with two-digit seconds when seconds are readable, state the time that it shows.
7,51
